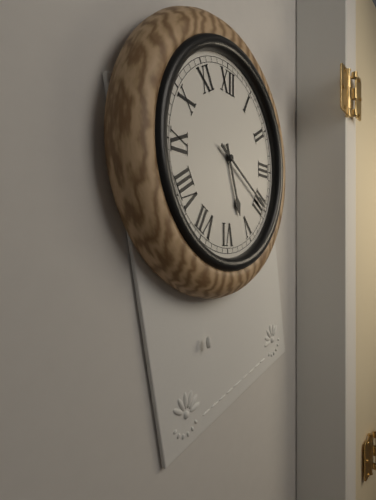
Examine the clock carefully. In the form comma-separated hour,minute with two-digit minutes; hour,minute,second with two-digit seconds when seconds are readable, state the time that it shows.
5,20
